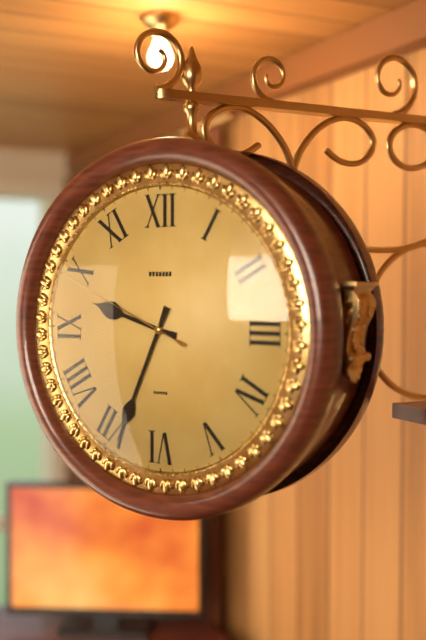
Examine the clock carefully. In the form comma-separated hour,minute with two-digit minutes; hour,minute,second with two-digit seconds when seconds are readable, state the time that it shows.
9,34,49
